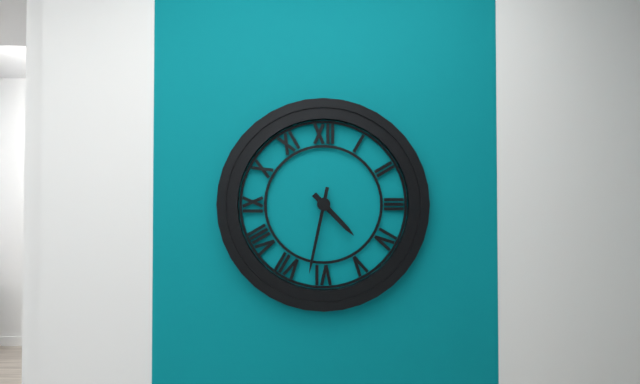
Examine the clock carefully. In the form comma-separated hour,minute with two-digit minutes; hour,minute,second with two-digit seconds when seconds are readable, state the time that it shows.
4,32
